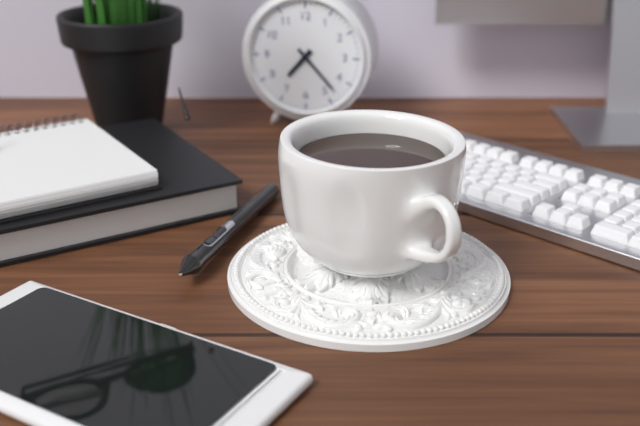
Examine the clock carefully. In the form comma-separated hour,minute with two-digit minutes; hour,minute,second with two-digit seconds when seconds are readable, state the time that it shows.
7,23
